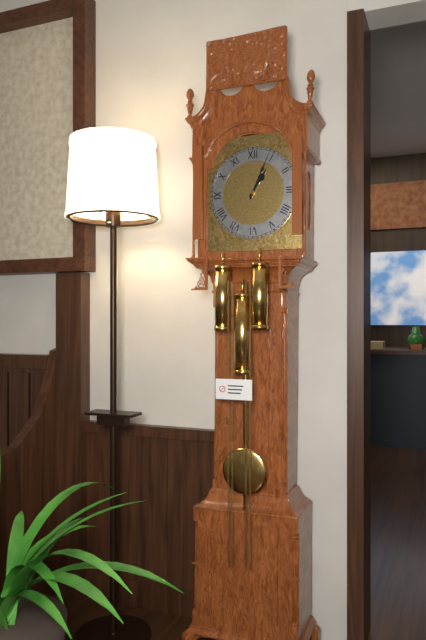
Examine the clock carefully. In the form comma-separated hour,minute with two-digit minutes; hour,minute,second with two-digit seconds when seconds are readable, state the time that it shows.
1,04
